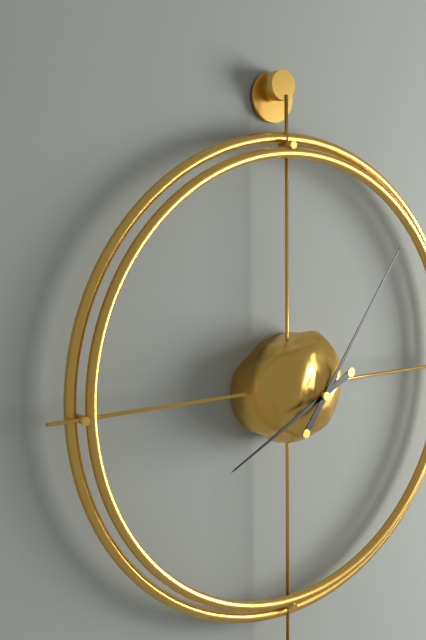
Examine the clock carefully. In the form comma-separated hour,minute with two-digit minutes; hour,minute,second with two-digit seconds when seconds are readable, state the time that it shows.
8,06
